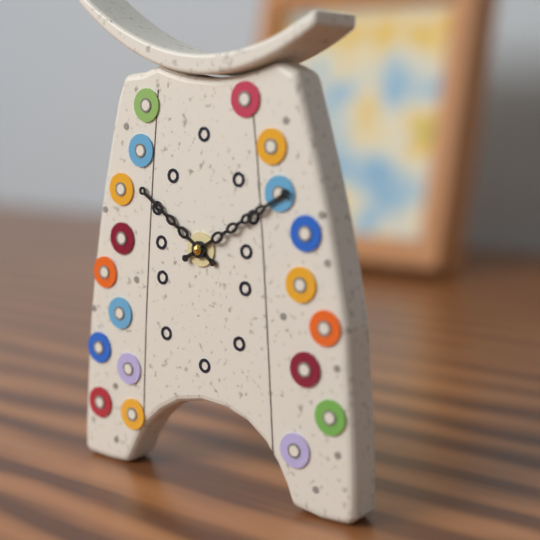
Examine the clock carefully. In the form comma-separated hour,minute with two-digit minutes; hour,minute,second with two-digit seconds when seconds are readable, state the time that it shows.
10,10
